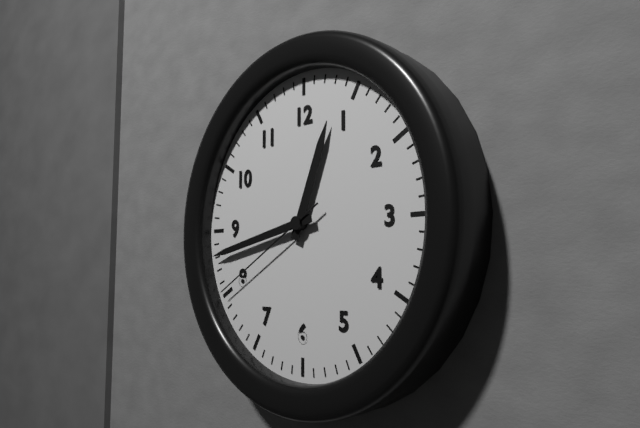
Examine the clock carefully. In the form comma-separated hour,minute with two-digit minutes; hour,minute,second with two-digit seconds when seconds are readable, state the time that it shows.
12,43,40
